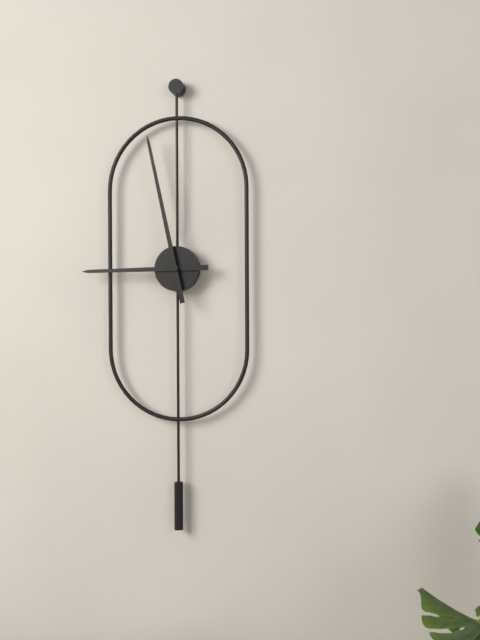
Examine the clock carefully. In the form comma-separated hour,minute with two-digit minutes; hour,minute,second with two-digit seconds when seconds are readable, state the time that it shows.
8,58
